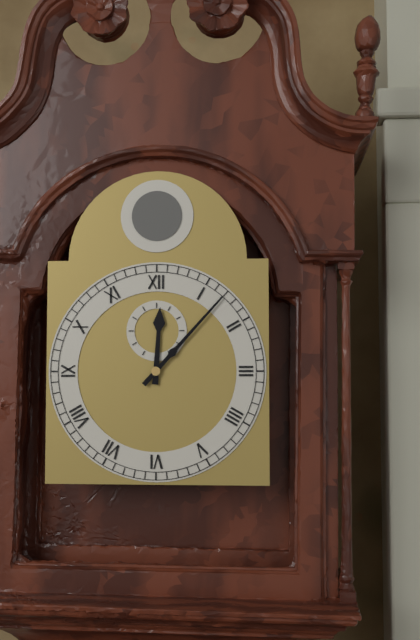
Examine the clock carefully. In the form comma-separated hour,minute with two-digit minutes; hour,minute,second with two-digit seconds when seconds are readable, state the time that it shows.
12,07
